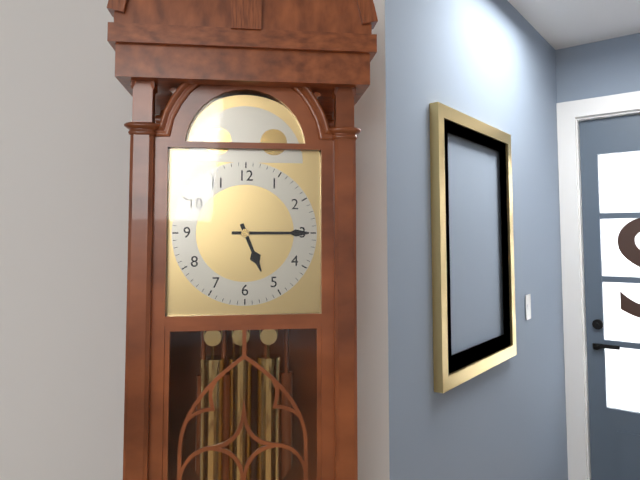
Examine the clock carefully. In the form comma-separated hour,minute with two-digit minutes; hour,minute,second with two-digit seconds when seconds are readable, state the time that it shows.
5,15
